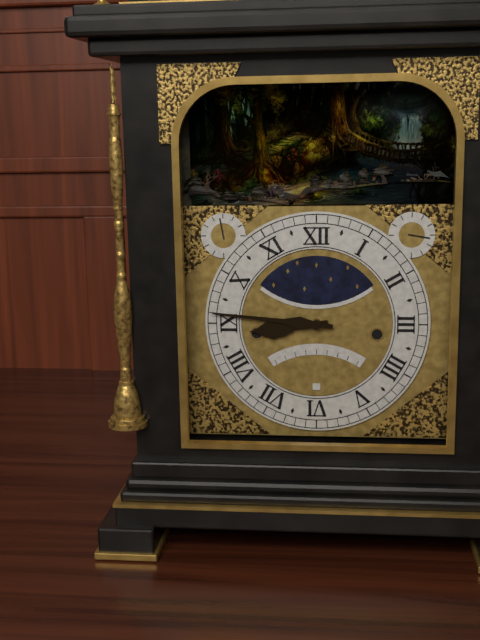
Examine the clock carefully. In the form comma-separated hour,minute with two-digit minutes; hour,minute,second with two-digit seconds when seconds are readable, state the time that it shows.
8,46
